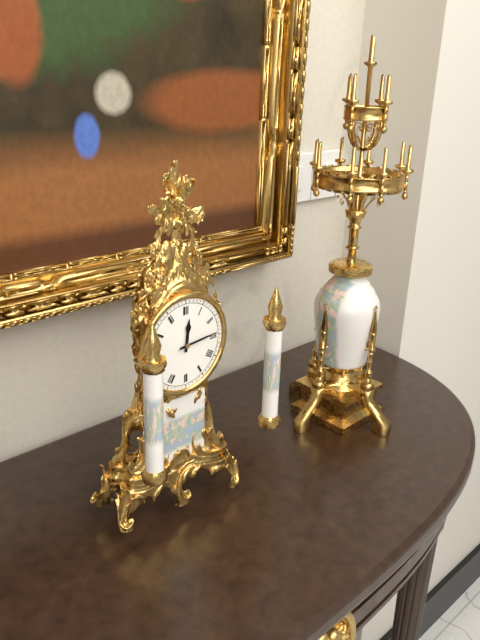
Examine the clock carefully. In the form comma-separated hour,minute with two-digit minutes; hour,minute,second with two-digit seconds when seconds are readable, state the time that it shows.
12,14
